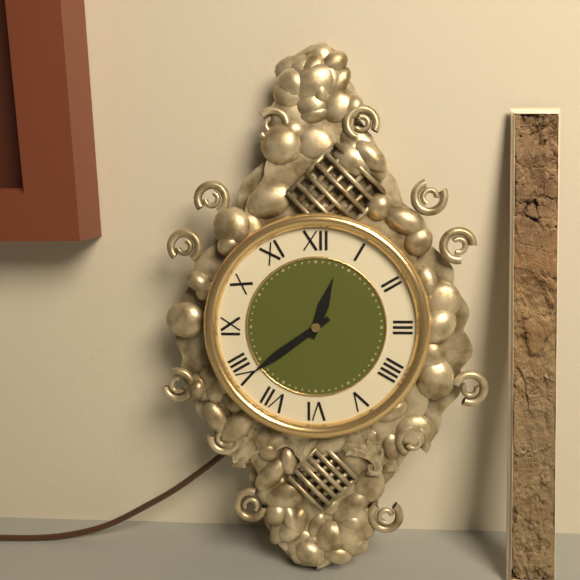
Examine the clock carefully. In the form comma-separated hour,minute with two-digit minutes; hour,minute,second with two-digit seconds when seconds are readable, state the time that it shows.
12,39
